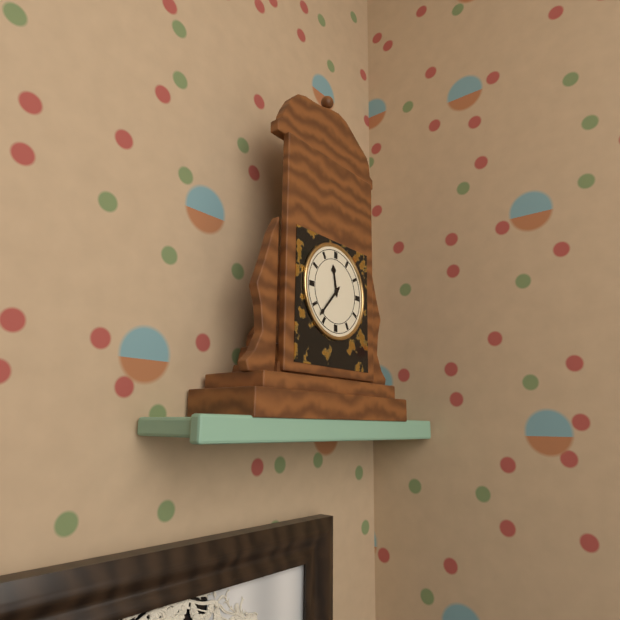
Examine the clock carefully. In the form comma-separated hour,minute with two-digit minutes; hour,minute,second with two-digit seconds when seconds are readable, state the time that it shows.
11,37
